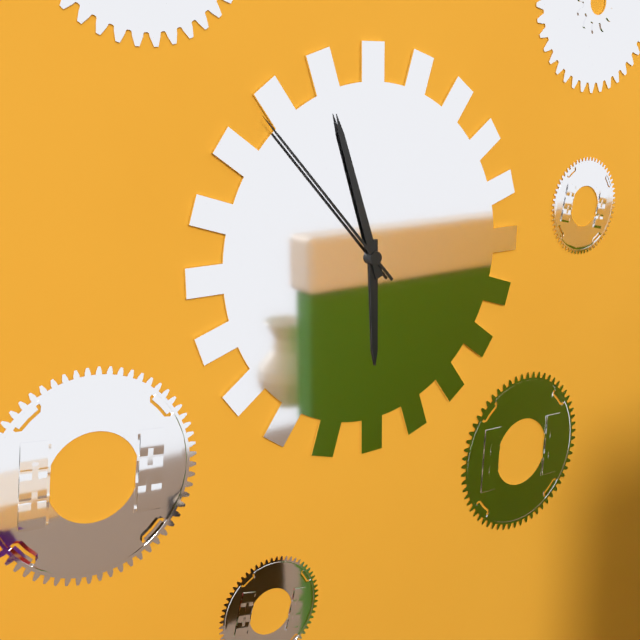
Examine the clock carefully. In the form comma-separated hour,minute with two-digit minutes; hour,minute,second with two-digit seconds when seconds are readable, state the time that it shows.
5,57,53
